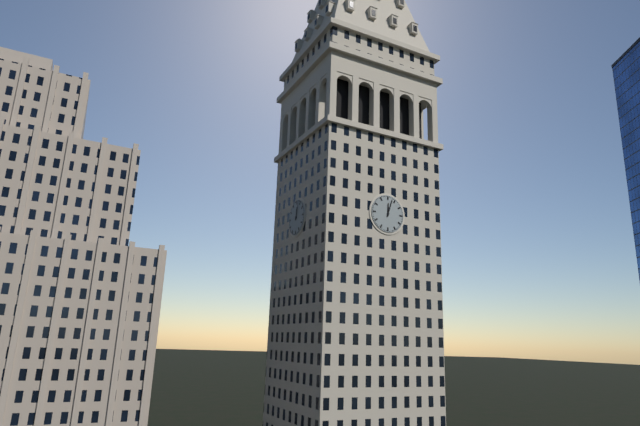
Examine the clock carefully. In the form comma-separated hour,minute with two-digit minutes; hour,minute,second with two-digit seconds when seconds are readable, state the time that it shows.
12,03
